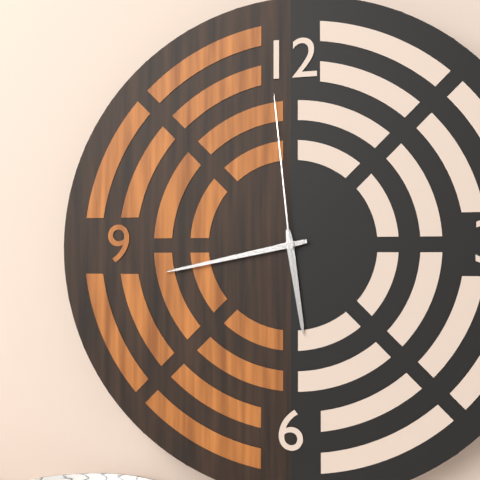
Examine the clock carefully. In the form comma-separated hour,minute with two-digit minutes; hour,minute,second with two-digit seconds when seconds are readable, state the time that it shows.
5,43,59
